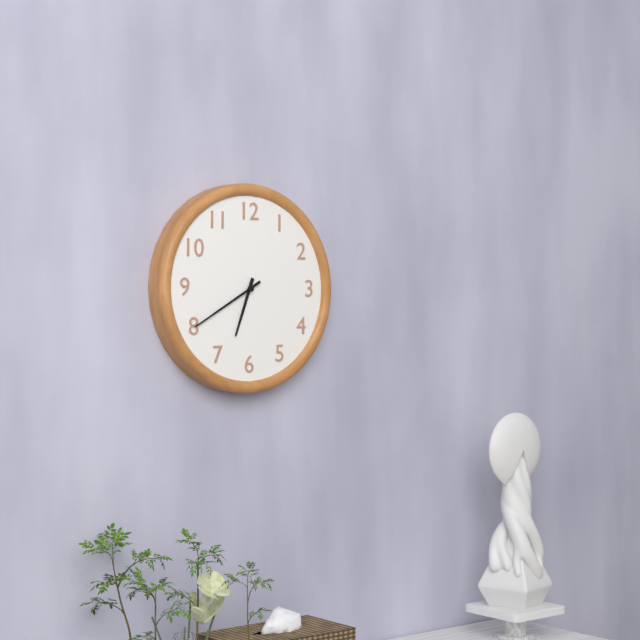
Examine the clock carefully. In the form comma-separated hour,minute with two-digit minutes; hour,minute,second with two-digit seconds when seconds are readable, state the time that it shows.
6,40
